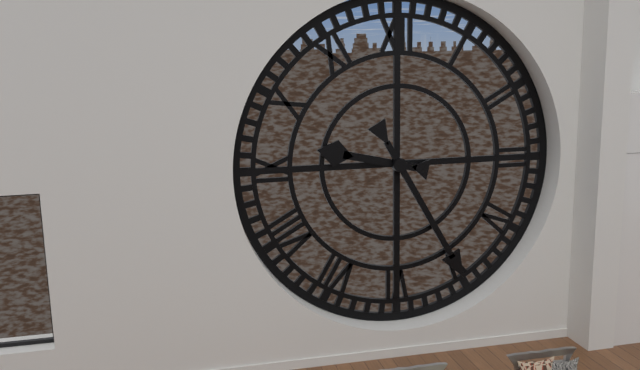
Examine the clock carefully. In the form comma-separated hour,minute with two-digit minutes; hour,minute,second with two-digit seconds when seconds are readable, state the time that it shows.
9,25
